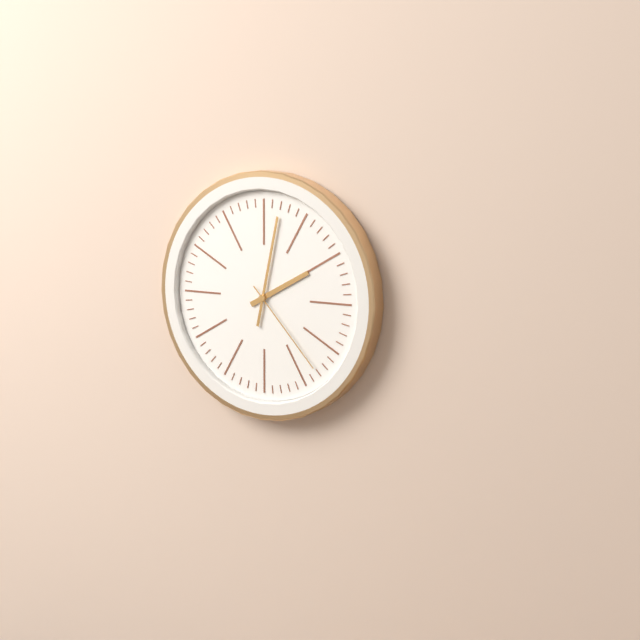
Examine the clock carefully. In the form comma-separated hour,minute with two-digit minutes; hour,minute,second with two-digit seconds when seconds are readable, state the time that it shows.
2,02,23
